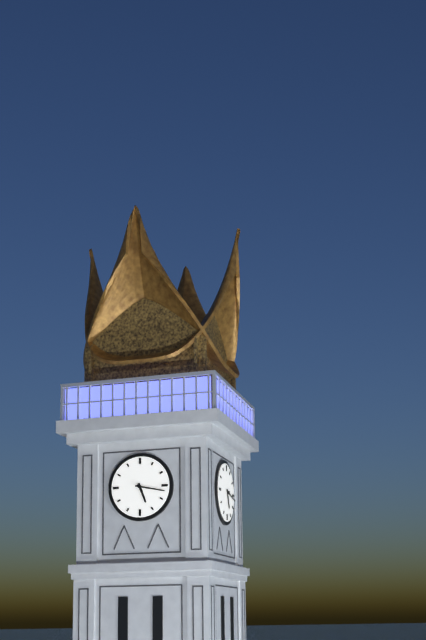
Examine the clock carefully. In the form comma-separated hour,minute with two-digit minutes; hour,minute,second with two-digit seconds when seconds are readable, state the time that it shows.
5,17
